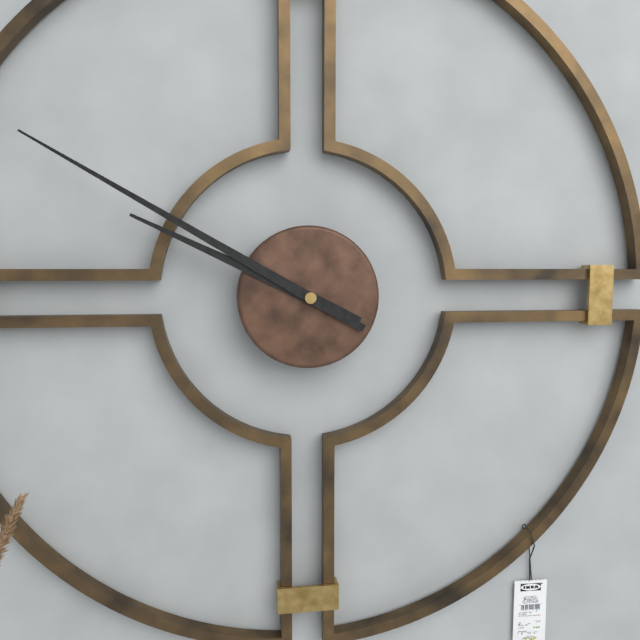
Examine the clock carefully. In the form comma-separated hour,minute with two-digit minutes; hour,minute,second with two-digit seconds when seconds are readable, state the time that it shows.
9,50
